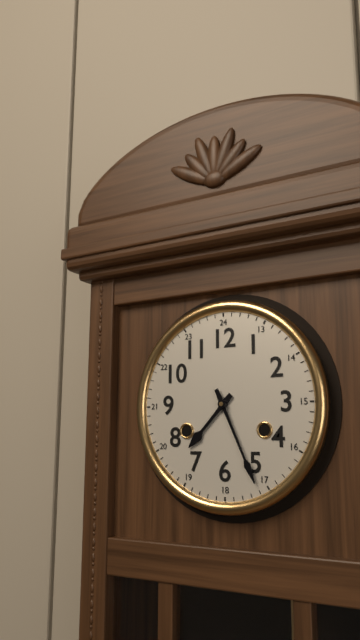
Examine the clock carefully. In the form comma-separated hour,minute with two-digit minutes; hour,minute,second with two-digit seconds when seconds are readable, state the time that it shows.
7,26
